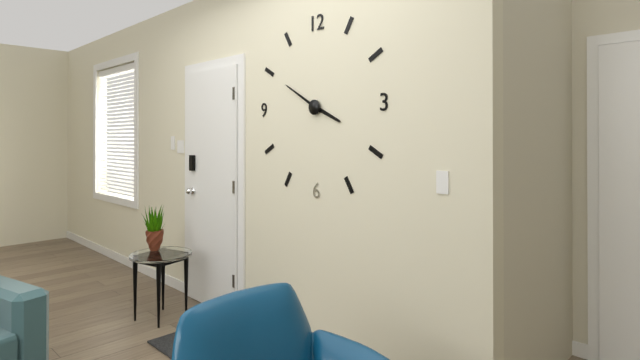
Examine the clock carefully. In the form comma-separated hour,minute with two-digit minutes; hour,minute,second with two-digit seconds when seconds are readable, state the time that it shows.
3,50
